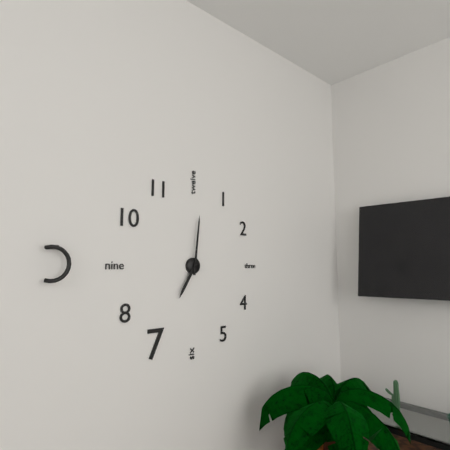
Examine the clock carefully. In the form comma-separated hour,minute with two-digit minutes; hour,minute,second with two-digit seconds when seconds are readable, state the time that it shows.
7,01
